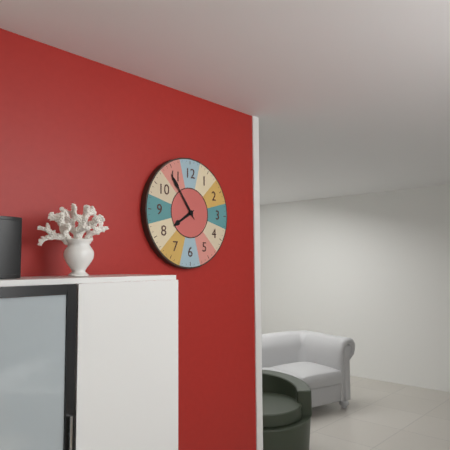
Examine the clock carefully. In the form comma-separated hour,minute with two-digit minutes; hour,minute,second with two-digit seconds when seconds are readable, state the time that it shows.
7,54
